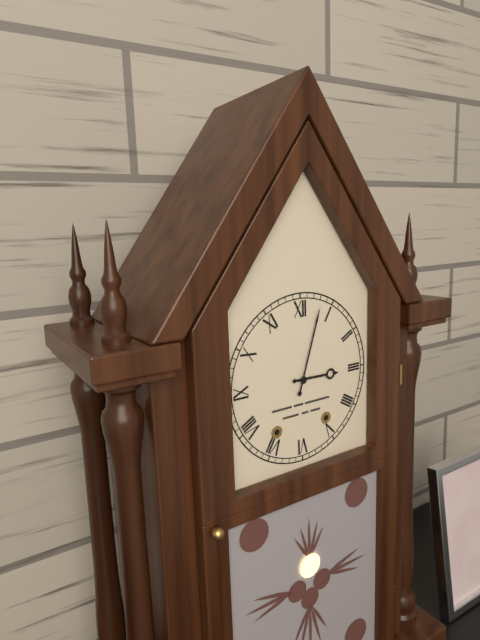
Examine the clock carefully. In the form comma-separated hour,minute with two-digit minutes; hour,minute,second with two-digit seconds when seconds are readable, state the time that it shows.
3,03
